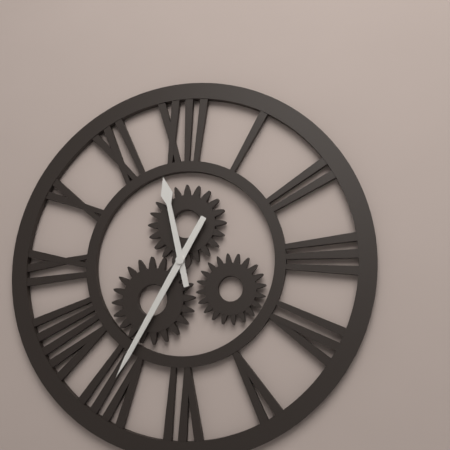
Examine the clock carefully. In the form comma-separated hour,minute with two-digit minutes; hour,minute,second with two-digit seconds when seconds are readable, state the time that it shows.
11,35
